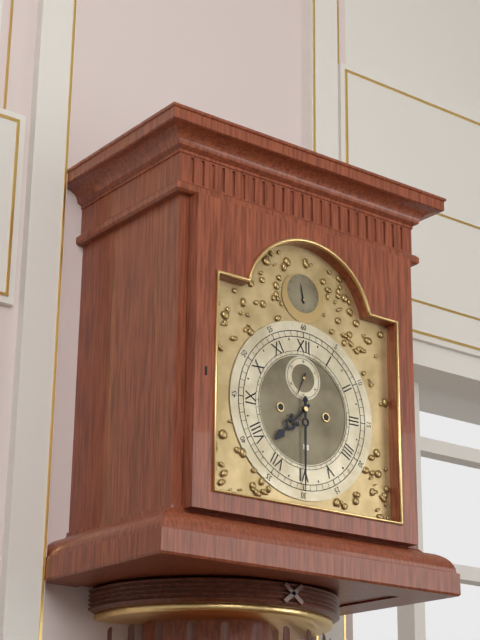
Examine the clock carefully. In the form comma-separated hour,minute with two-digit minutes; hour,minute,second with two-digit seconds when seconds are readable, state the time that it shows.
7,30
